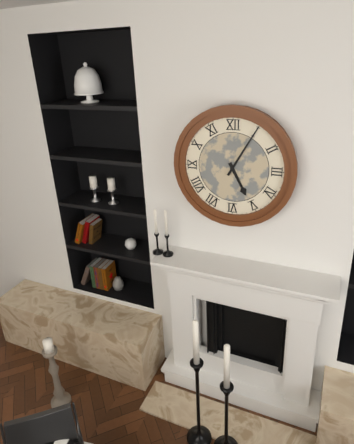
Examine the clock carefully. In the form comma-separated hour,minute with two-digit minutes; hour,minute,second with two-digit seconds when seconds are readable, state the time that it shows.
5,05
